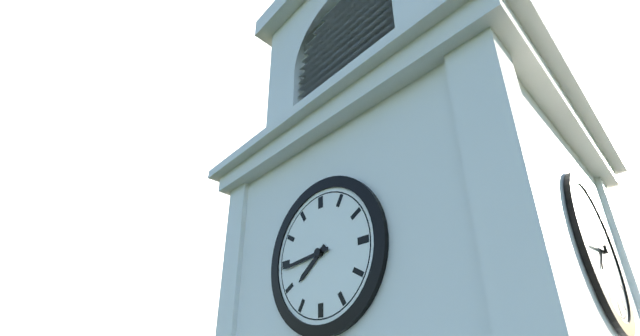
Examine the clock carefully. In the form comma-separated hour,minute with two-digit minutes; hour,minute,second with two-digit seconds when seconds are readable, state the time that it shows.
7,44
